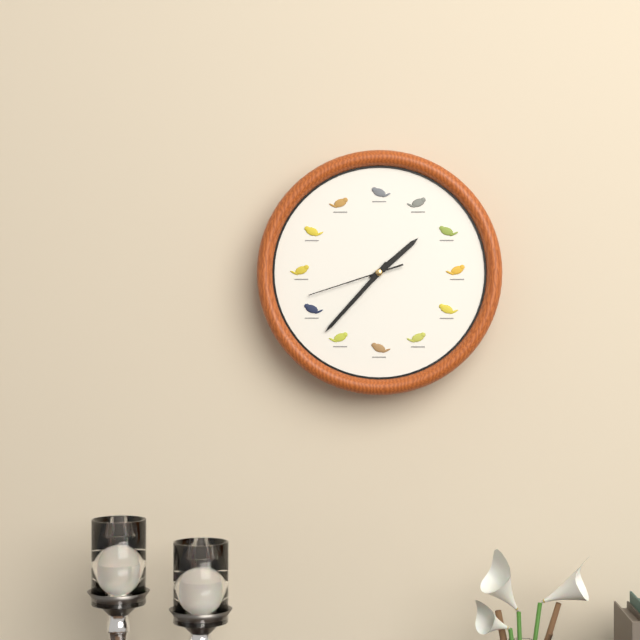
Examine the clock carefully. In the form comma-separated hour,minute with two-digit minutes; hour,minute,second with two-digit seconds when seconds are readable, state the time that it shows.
1,37,42
